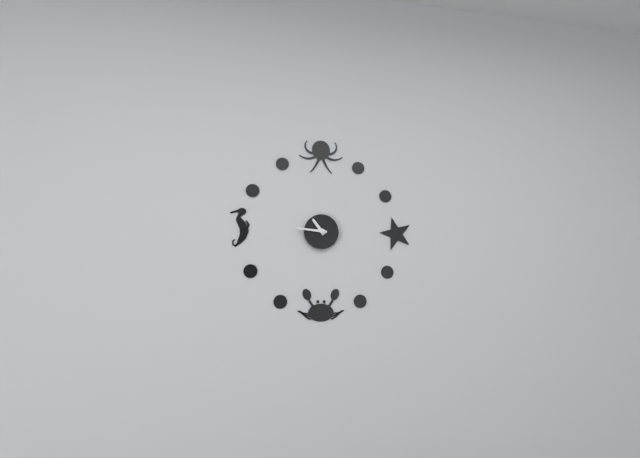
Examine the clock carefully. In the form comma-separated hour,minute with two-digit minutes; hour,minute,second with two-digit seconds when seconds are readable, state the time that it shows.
10,46
